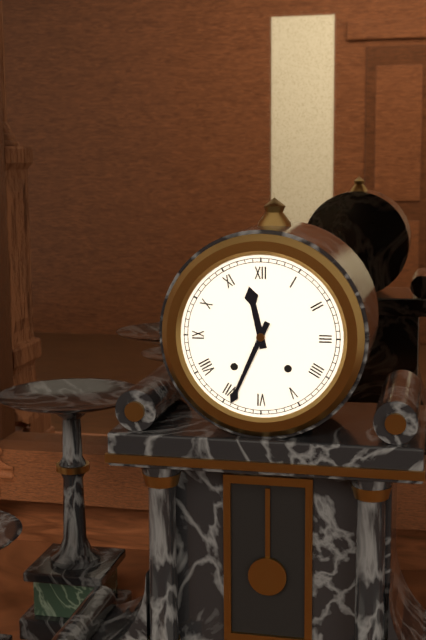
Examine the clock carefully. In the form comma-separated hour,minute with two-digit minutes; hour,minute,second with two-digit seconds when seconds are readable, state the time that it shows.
11,34
